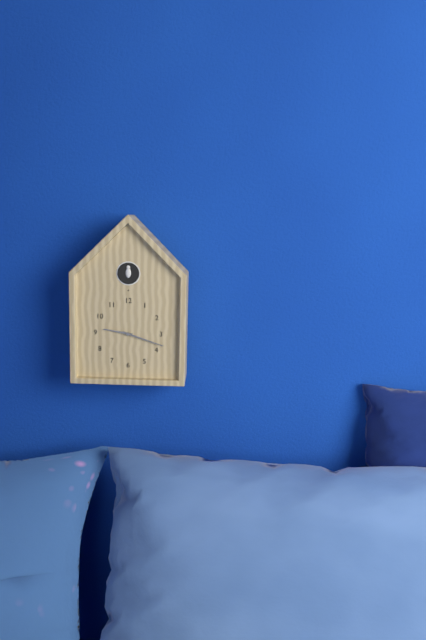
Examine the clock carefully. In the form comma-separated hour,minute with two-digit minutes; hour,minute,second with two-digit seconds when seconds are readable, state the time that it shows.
9,18
